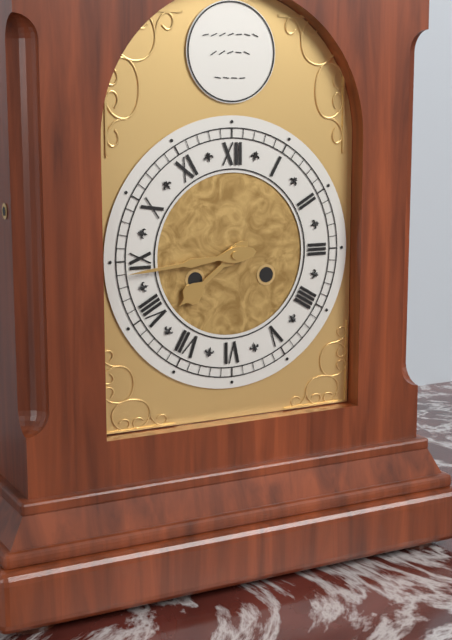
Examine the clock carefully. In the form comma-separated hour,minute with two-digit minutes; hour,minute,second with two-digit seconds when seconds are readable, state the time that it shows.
7,44
